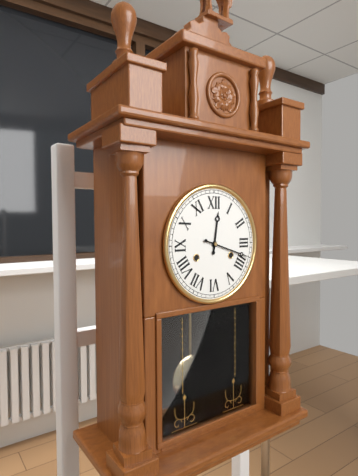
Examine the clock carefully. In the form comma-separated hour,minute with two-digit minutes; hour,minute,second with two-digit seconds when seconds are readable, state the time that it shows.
12,18
